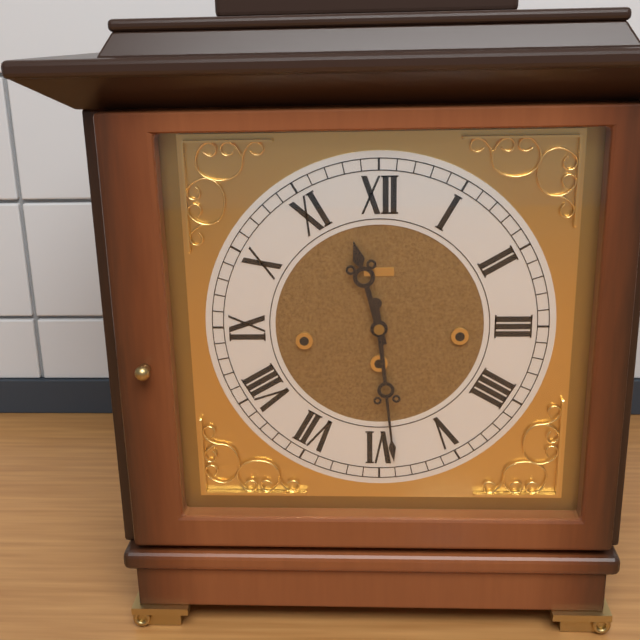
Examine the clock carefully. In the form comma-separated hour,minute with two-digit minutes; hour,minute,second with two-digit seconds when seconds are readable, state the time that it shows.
11,29
